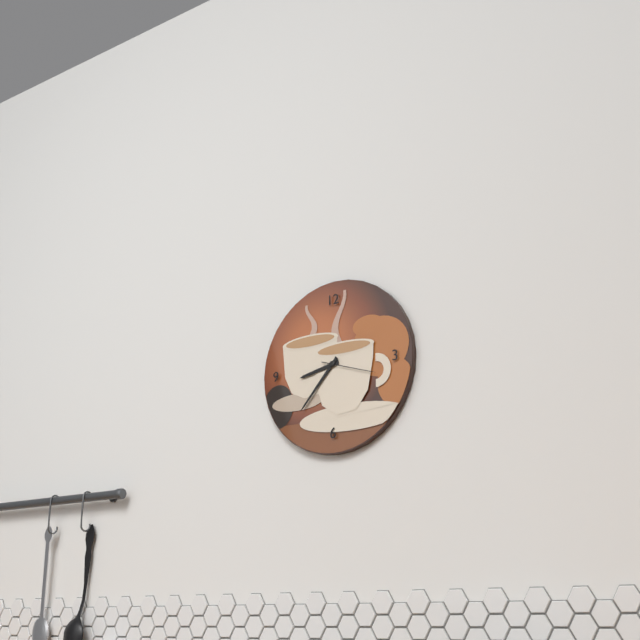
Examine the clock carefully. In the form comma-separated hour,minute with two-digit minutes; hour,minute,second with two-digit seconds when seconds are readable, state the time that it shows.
8,37,18
